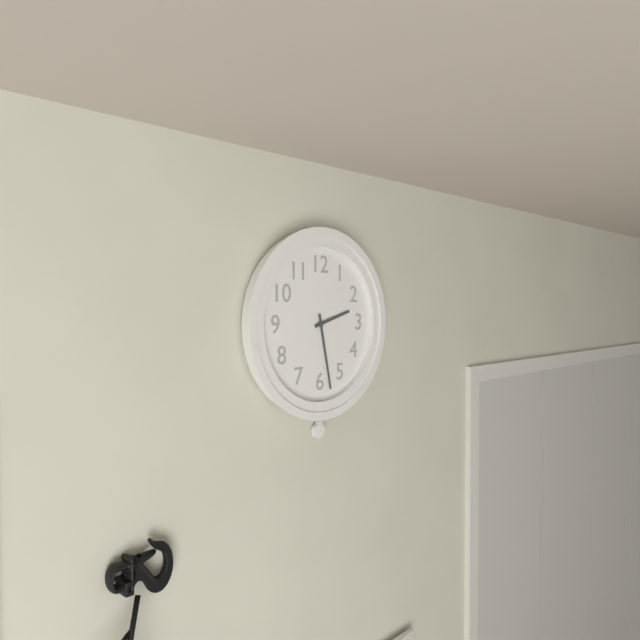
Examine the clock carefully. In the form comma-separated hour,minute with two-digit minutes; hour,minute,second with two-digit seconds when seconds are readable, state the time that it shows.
2,28
